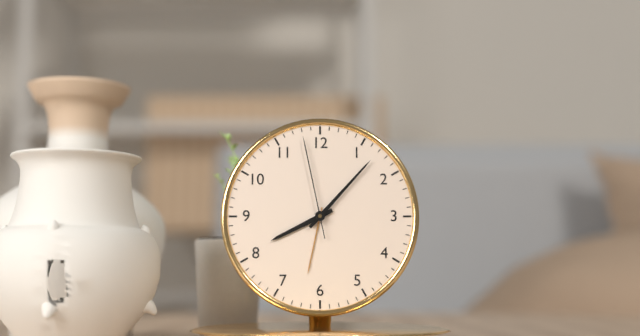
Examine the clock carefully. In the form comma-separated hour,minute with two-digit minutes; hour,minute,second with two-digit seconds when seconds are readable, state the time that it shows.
8,07,58
